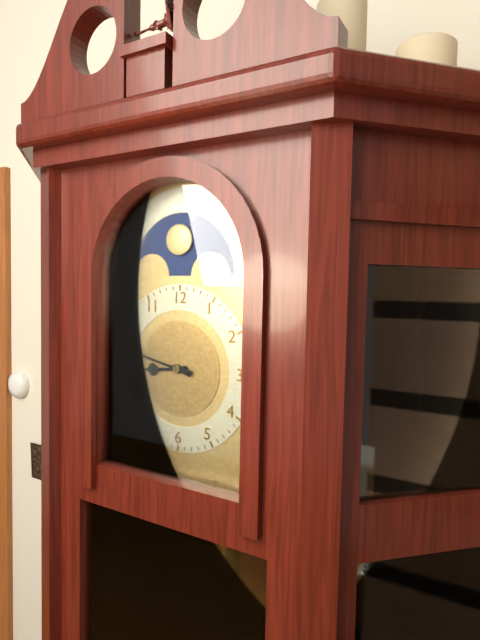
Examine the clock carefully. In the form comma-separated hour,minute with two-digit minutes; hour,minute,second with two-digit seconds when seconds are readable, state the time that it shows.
8,47
